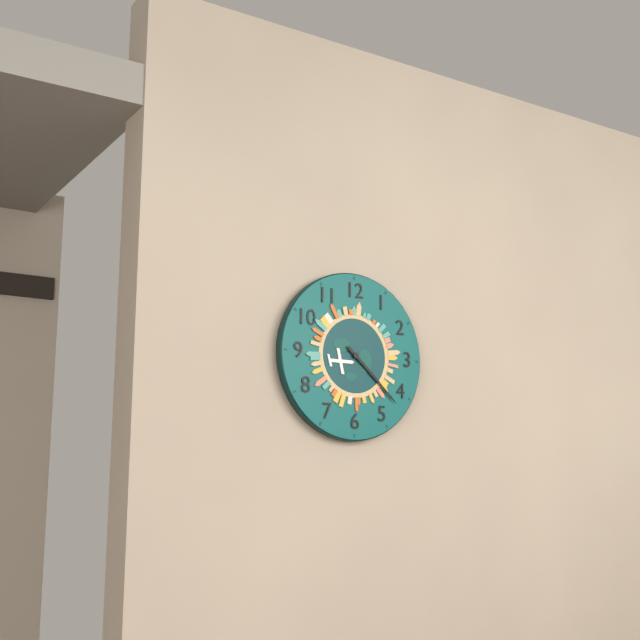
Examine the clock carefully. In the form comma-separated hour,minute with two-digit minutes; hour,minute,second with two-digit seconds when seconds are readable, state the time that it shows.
4,22
